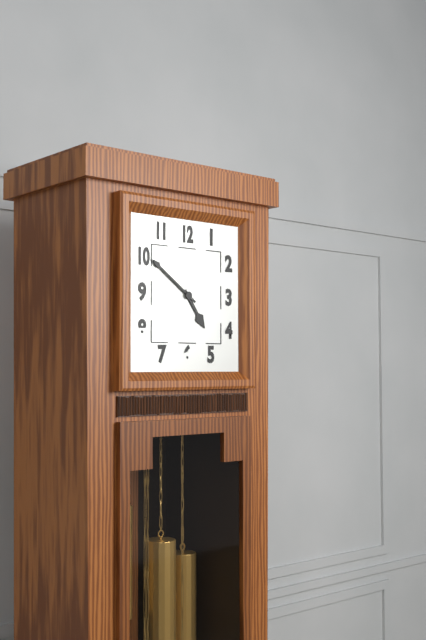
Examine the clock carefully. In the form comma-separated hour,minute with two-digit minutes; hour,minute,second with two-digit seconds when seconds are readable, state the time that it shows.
4,51
